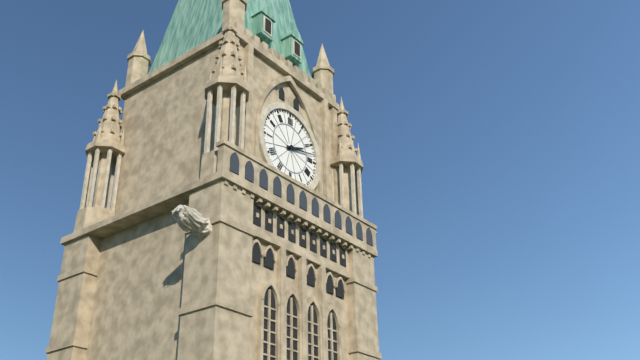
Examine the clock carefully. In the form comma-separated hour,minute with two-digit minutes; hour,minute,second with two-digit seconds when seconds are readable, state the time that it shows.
2,13
